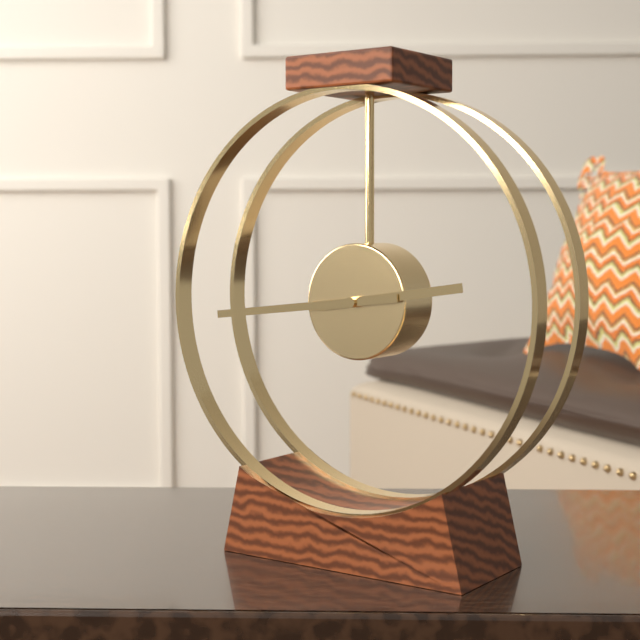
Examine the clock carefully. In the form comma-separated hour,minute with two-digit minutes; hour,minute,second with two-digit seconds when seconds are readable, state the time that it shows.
2,44
